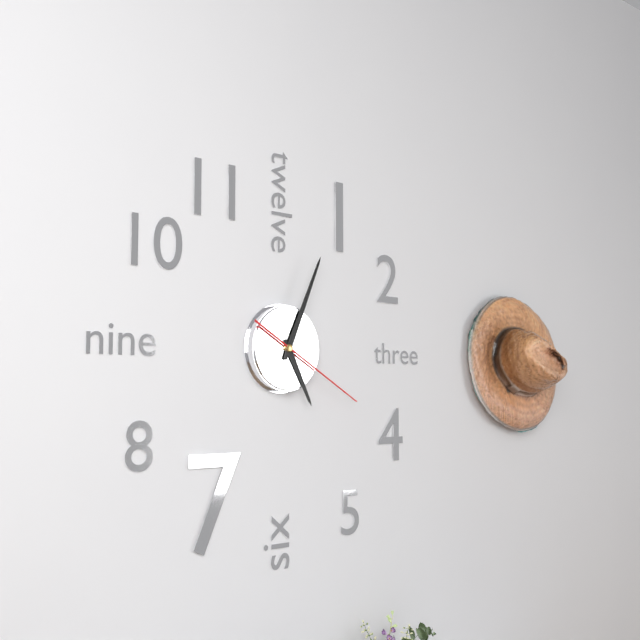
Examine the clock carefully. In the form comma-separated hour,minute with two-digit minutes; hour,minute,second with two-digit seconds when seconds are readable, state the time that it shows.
5,04,20
